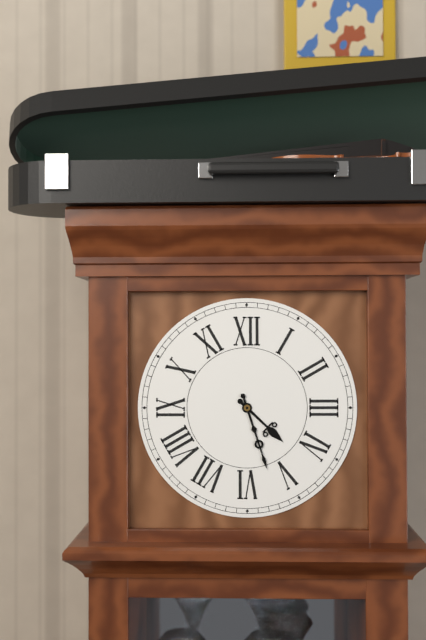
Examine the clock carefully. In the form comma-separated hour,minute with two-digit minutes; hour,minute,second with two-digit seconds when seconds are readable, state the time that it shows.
4,27
